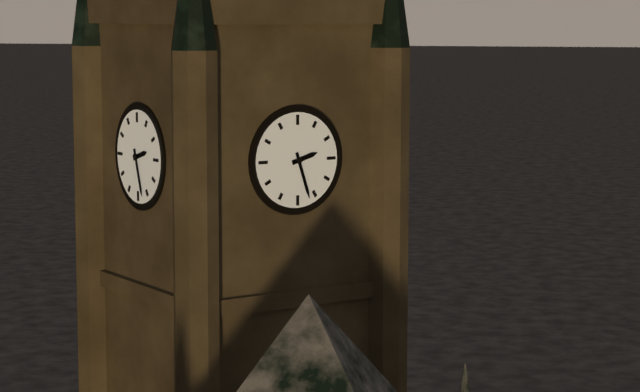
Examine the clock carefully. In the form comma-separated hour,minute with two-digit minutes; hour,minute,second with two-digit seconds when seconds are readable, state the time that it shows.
2,27
